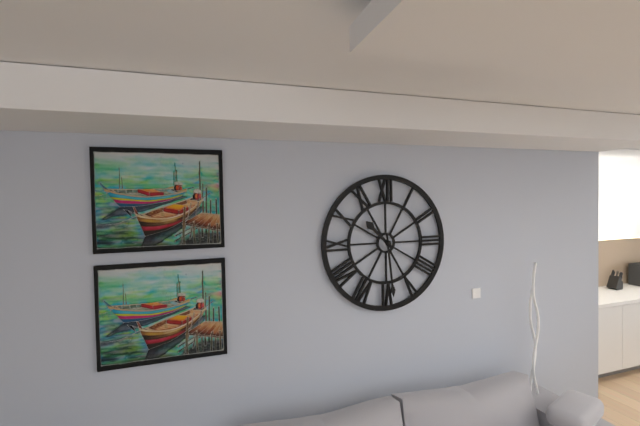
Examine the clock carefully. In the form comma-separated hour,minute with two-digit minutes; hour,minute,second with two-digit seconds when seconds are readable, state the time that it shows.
10,29
